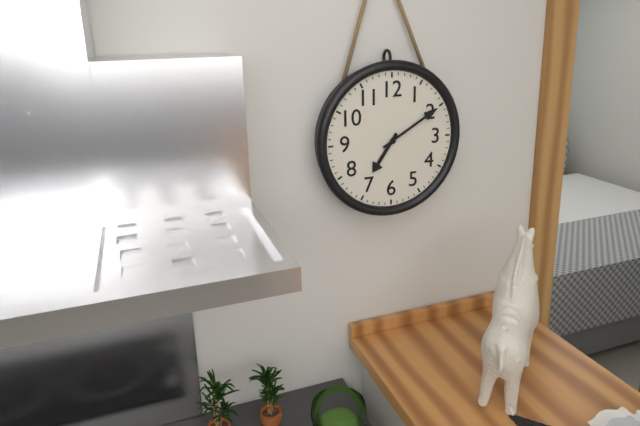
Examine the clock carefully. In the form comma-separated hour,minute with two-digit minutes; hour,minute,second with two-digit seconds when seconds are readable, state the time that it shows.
7,10
